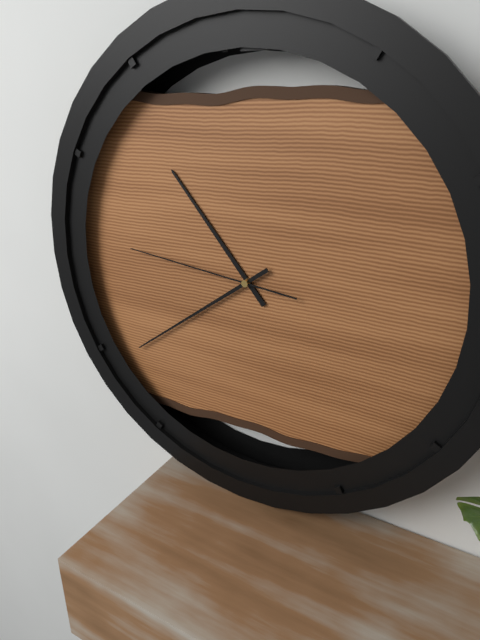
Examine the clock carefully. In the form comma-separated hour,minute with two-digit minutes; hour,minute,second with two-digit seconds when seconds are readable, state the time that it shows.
10,39,46
